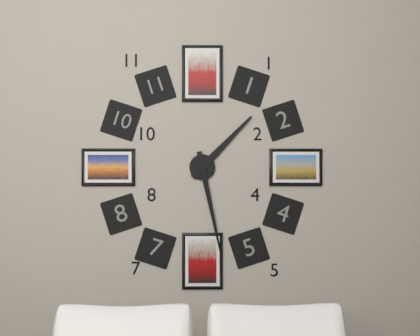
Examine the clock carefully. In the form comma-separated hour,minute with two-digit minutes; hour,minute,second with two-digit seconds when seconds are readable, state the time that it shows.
1,28
